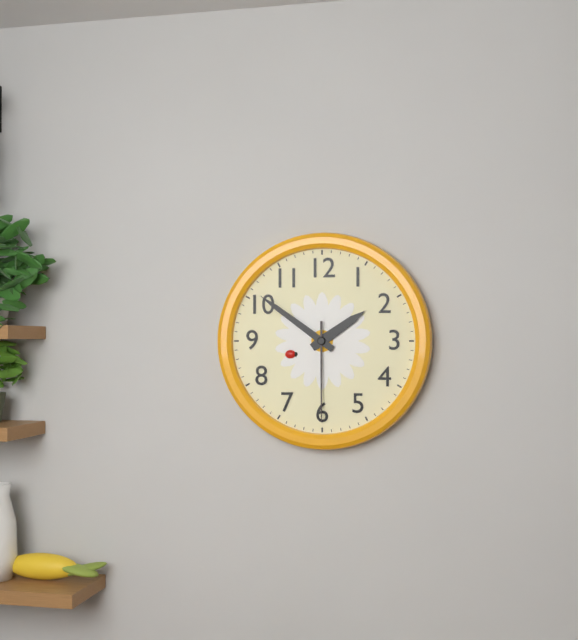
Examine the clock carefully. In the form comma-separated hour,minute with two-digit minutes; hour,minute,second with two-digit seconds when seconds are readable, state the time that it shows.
1,51,30
